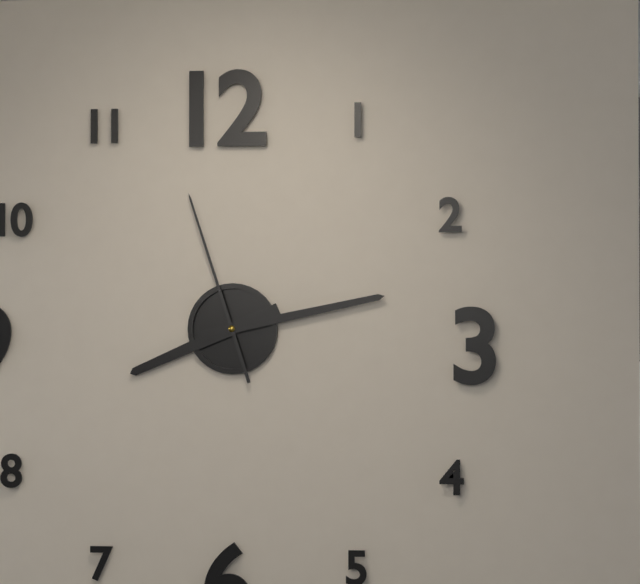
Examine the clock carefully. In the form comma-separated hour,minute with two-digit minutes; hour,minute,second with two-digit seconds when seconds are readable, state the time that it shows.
8,13,57
